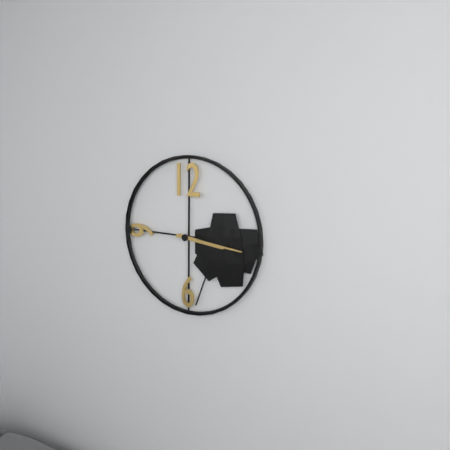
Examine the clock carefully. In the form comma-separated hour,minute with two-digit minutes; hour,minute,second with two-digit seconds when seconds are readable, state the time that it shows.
3,16
